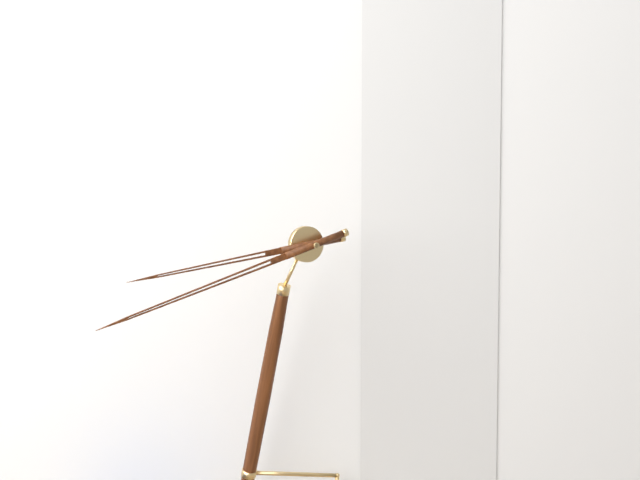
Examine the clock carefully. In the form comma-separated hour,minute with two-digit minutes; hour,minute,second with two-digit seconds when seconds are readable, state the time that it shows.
8,42
